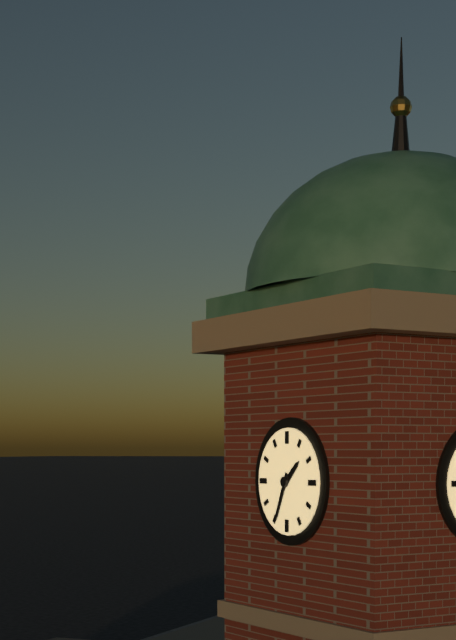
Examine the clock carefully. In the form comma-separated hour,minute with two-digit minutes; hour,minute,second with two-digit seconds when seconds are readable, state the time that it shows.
1,34
